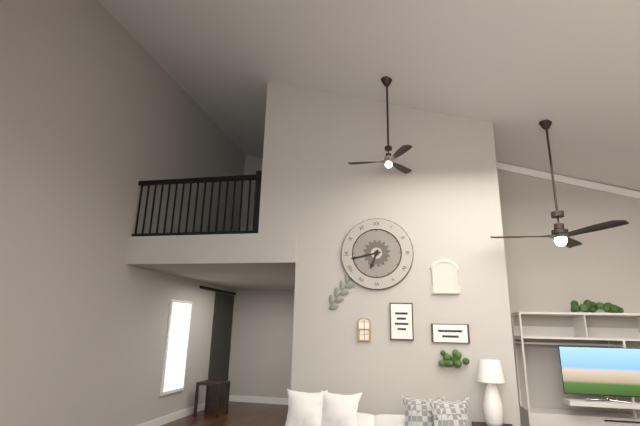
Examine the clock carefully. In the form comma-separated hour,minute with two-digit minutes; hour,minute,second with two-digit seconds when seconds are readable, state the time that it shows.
6,43
